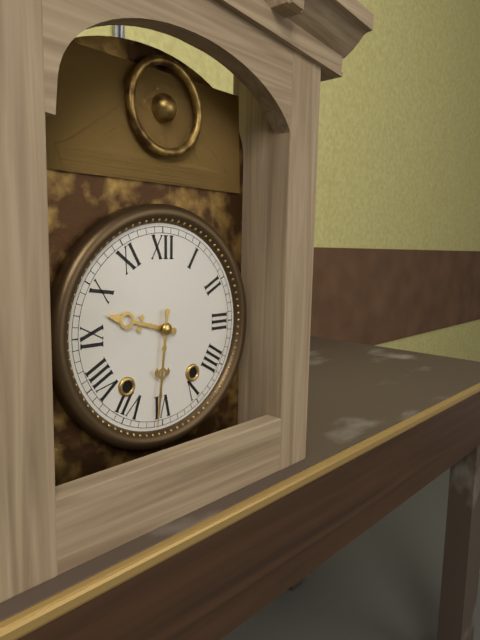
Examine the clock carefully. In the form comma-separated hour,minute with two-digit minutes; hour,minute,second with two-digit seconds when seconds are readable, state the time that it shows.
9,31
